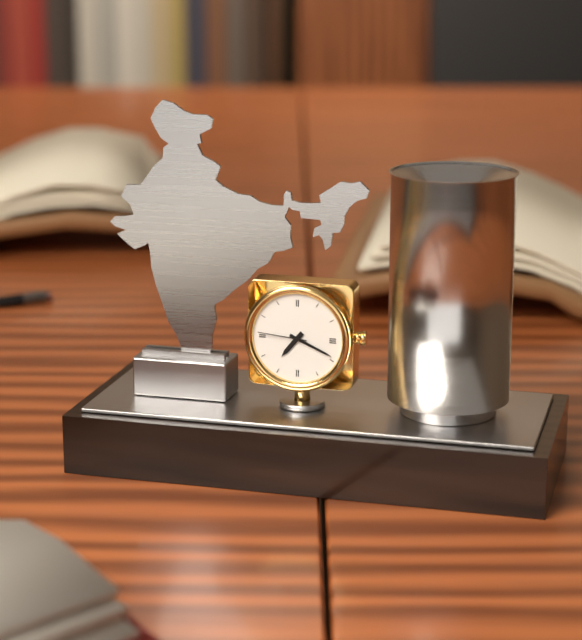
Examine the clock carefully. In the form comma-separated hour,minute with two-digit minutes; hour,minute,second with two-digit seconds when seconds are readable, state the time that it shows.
7,19
